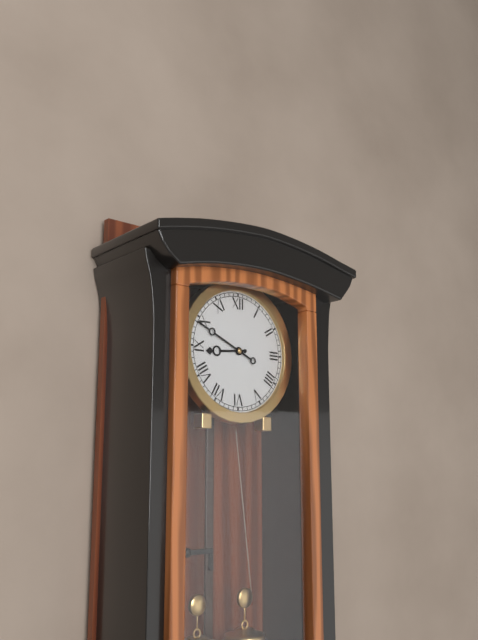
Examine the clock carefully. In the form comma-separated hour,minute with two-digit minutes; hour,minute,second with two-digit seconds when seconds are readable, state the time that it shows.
8,49
